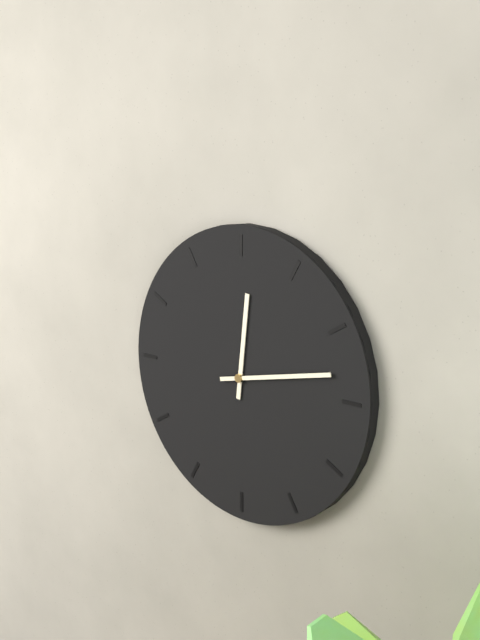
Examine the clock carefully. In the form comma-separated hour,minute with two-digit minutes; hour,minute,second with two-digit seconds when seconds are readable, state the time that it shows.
12,13
